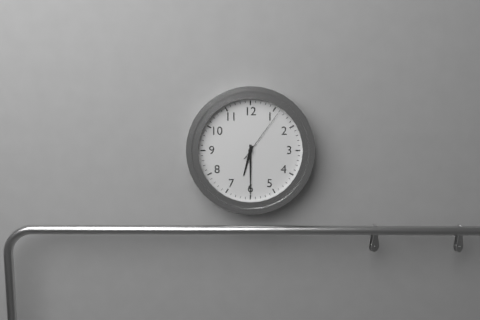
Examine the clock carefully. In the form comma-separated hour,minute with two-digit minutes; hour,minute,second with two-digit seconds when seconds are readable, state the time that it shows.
6,30,06
